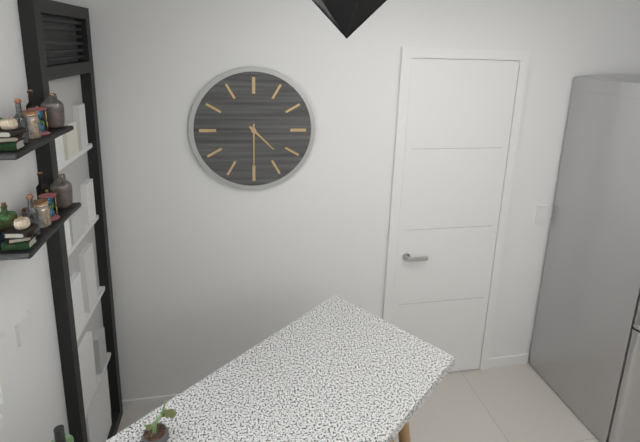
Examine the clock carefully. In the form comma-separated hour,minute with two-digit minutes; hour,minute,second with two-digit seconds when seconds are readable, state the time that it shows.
4,30
